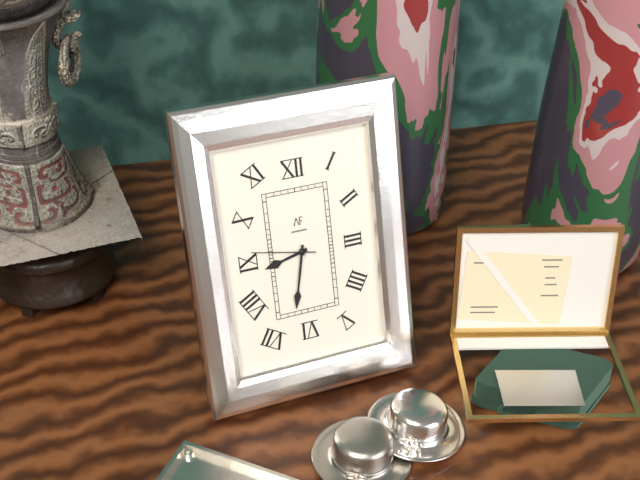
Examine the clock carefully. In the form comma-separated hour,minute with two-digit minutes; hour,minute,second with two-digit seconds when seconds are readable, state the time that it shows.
8,32,47
